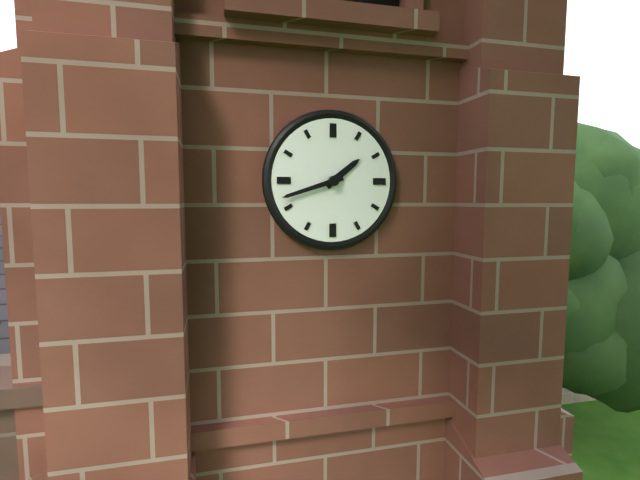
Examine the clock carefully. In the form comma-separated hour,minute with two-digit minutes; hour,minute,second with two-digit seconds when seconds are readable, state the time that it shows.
1,42
